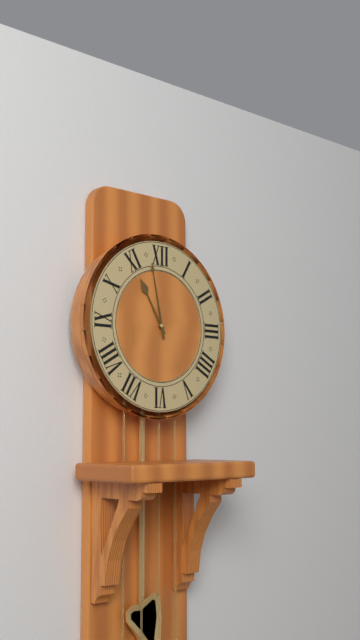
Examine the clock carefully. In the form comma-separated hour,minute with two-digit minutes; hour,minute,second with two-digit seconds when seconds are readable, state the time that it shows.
10,58
